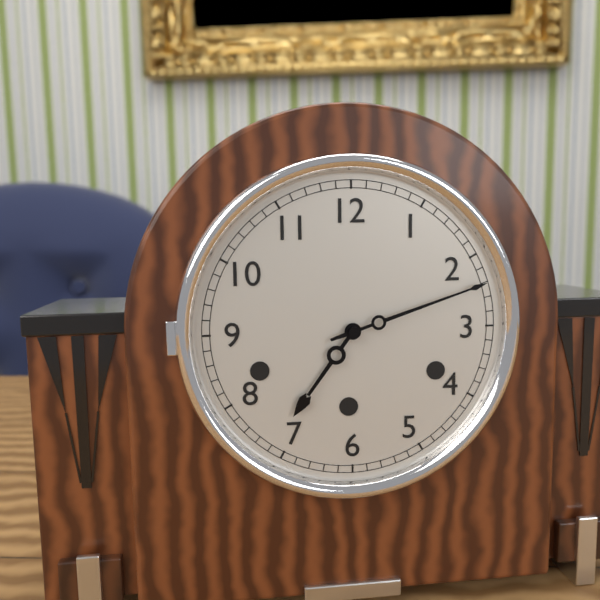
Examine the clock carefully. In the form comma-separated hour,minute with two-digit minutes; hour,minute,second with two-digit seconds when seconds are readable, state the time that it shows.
7,12
